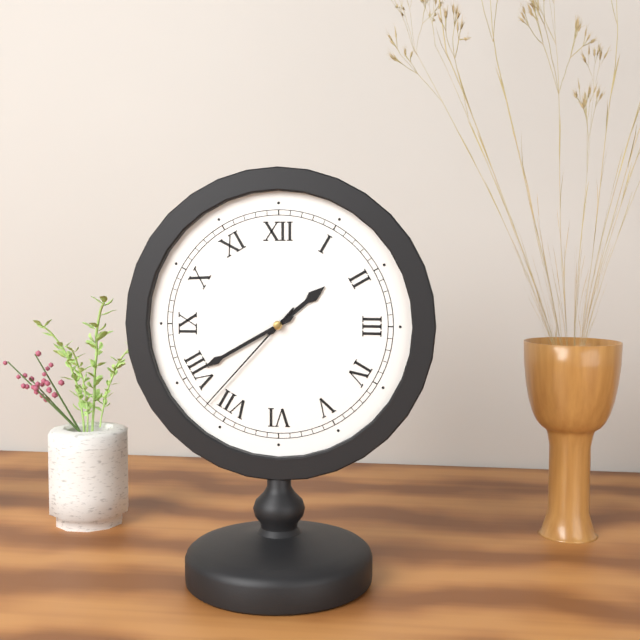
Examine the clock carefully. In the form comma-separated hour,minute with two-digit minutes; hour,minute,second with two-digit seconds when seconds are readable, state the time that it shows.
1,40,37
